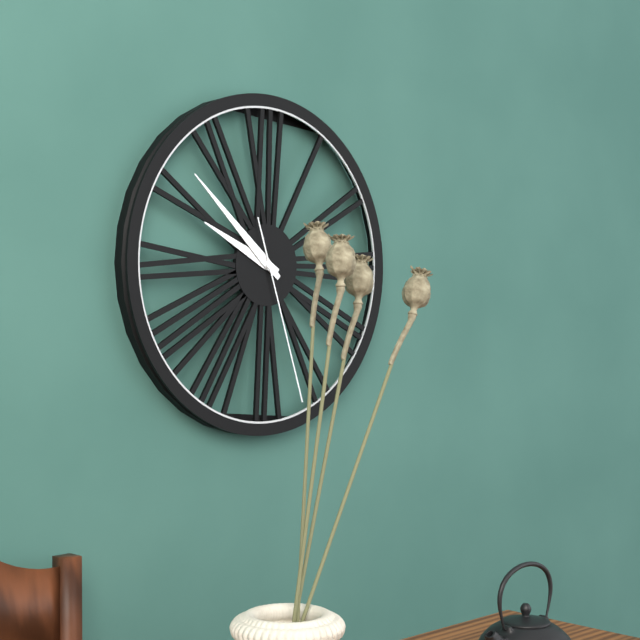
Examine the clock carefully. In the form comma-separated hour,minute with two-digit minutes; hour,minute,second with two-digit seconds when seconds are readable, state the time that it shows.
9,52,27
